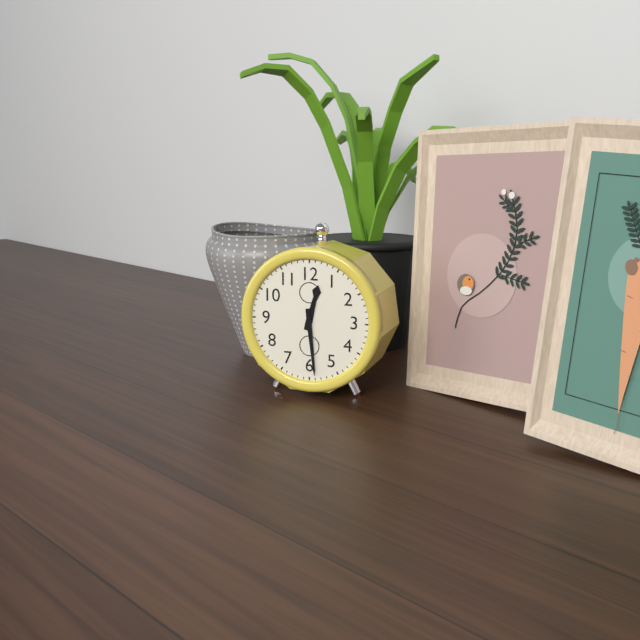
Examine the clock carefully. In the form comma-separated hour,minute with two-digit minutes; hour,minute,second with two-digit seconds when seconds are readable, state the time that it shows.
12,29
